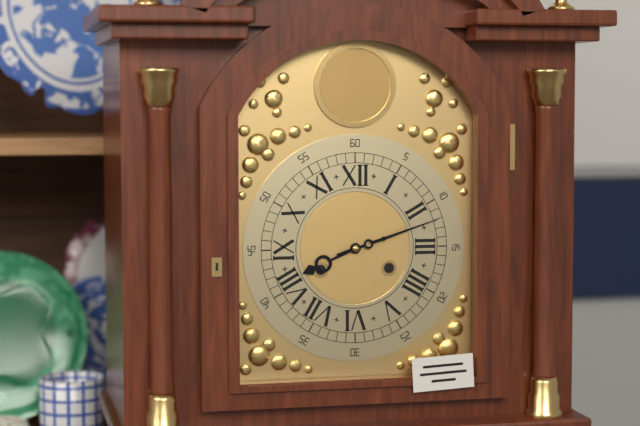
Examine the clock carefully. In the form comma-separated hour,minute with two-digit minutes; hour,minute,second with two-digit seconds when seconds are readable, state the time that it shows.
8,12
